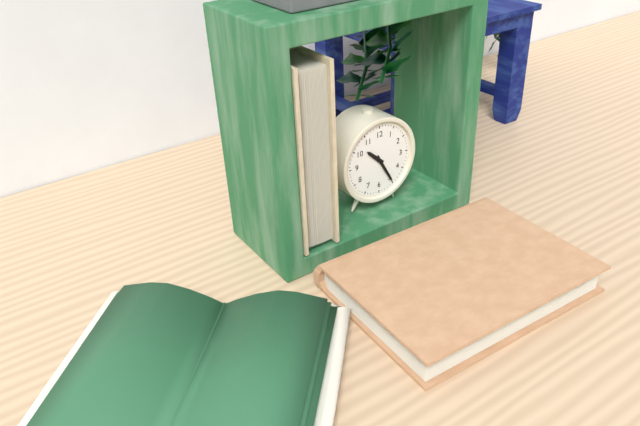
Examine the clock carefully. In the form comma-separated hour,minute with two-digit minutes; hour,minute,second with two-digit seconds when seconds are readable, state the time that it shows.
10,25
